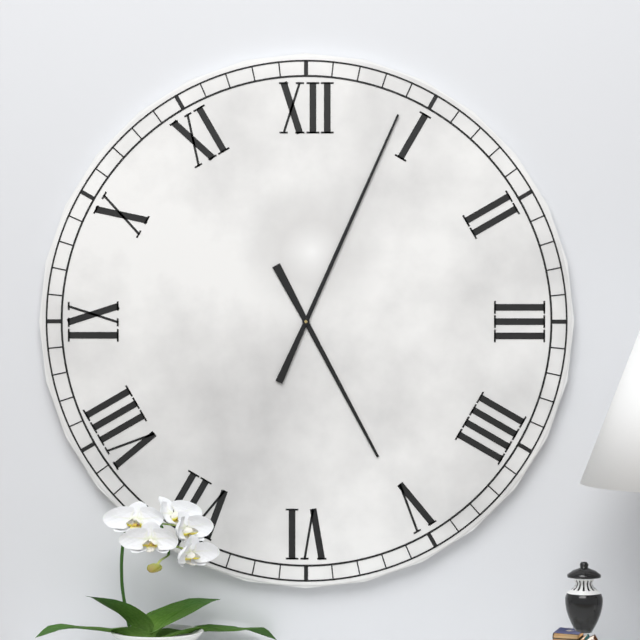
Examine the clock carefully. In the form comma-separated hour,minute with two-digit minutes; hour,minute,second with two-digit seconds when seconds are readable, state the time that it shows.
5,04
